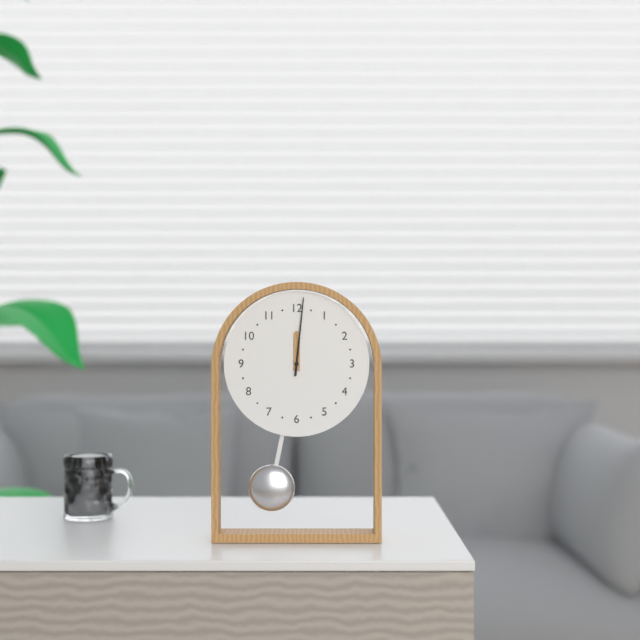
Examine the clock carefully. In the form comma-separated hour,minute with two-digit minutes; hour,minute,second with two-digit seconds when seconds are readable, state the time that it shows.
12,01
